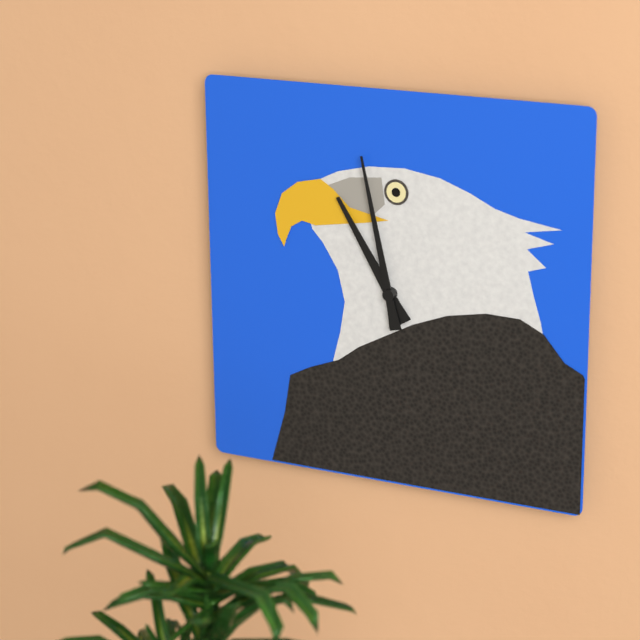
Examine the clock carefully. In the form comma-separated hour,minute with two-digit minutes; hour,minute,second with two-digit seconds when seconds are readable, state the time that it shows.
10,58
